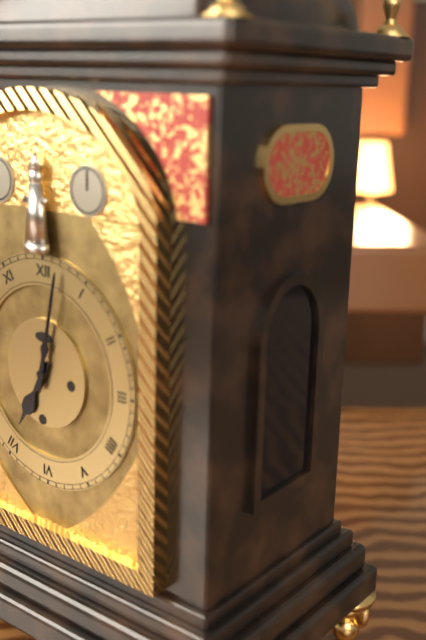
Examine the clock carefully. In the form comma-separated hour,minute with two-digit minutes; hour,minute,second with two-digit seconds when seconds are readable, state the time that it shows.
7,02
